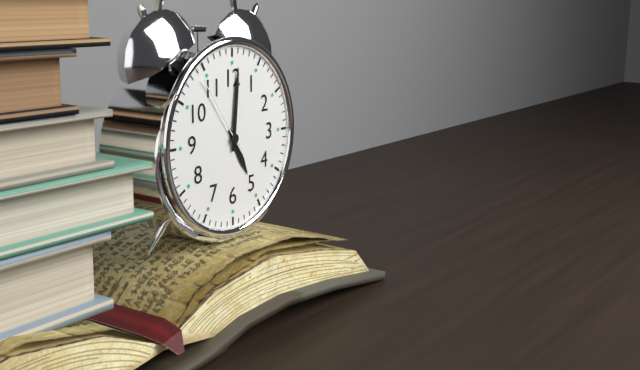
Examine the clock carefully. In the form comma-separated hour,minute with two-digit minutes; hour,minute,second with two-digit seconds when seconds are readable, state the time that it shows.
5,01,54
